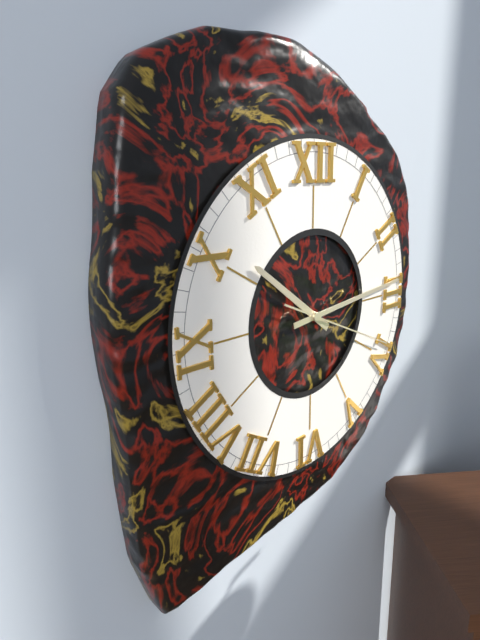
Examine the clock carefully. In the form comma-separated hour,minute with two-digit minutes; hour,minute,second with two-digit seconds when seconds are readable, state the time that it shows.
10,14,19
